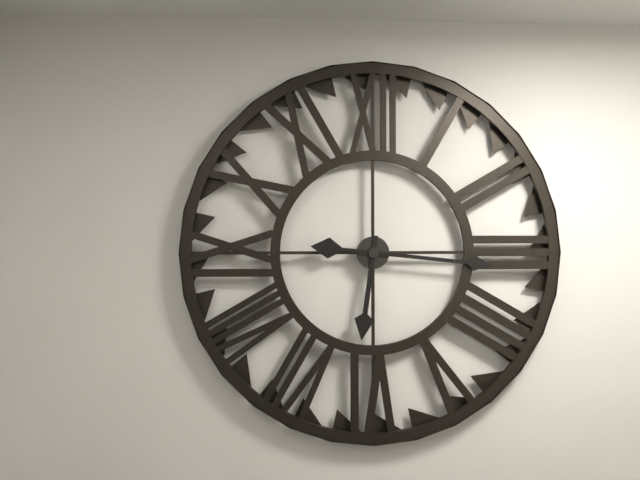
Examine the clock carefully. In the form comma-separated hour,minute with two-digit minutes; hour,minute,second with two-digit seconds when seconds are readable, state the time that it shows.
6,16
